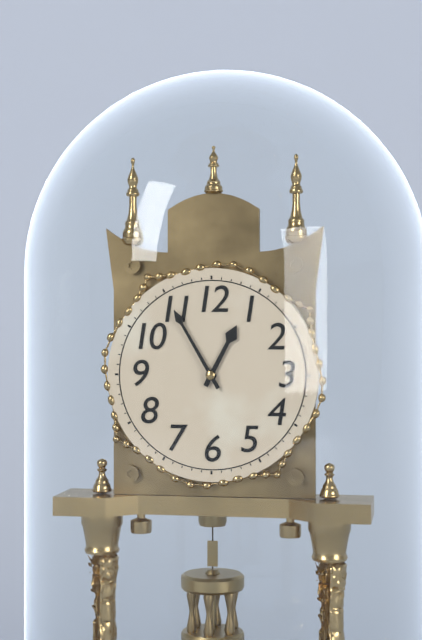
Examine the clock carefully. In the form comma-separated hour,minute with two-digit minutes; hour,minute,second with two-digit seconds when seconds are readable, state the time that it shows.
12,55
